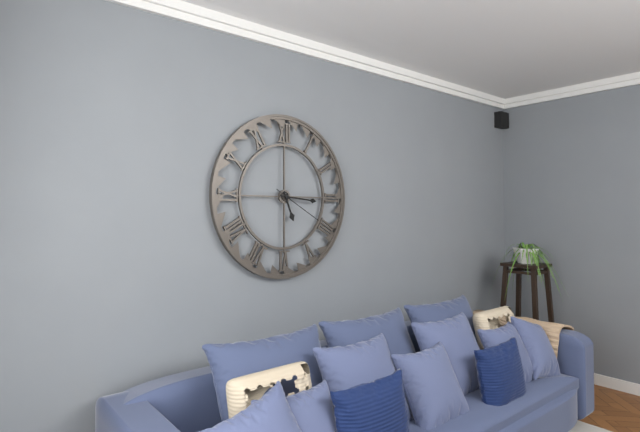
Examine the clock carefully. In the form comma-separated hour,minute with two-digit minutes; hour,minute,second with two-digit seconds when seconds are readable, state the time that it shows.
5,16,20
